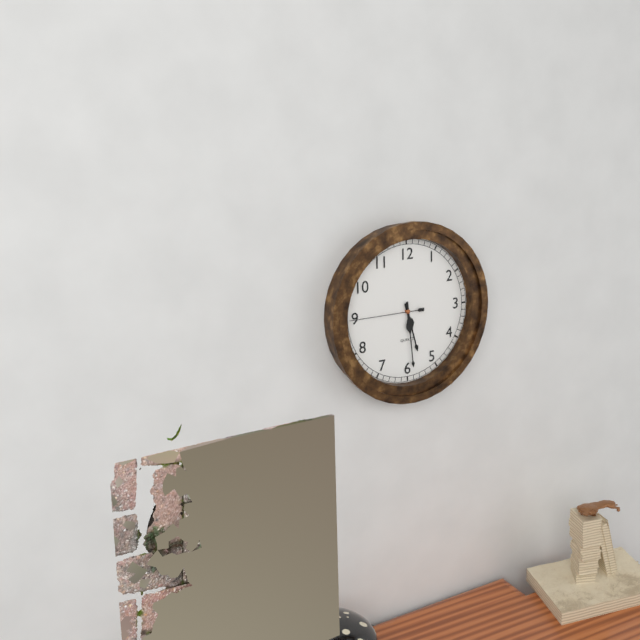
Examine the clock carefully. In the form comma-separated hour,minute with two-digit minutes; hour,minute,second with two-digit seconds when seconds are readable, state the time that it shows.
5,29,45
